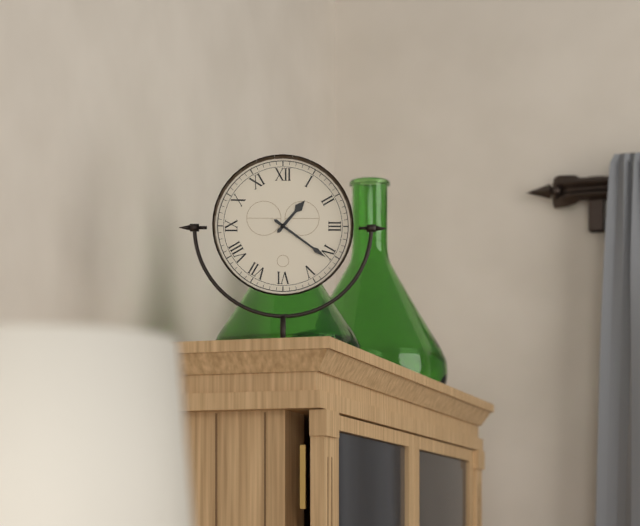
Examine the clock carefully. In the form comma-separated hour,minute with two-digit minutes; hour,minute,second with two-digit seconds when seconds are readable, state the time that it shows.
1,21
